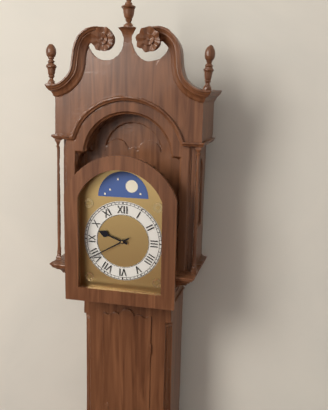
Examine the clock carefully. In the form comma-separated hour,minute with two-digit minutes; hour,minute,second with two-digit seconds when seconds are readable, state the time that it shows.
9,40
